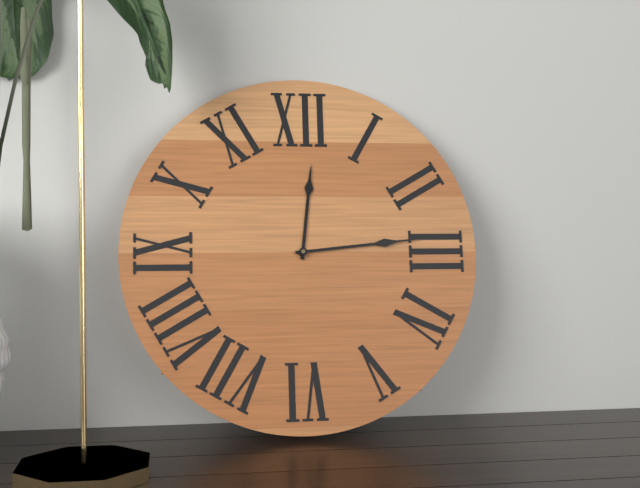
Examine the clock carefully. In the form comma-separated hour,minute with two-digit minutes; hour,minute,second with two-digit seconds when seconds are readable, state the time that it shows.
12,14
